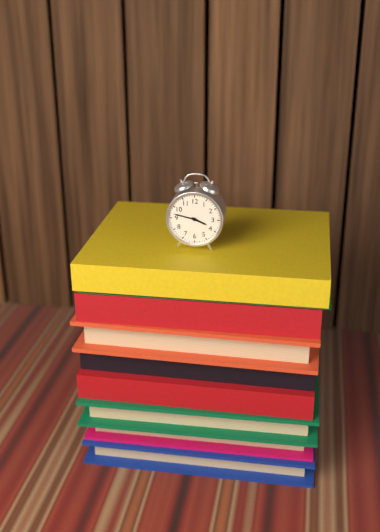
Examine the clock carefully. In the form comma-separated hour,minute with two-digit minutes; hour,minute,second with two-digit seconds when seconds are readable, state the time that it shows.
3,47
